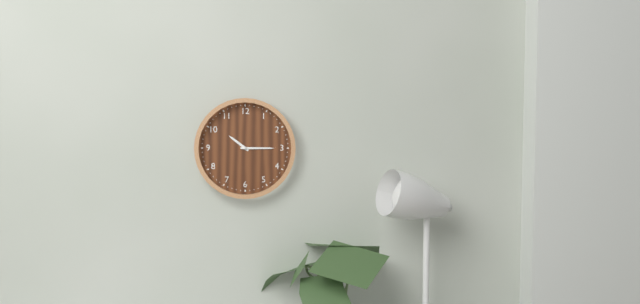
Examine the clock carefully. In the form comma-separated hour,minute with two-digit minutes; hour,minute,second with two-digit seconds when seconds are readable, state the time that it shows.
10,15
